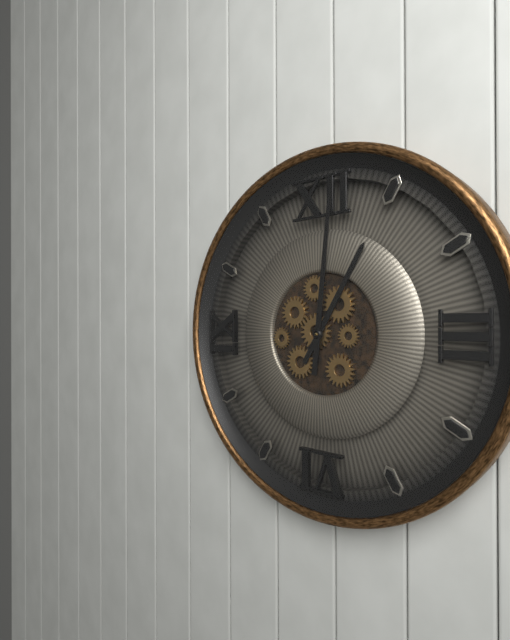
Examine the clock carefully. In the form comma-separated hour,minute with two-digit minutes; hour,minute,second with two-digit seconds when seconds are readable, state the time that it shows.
1,01
